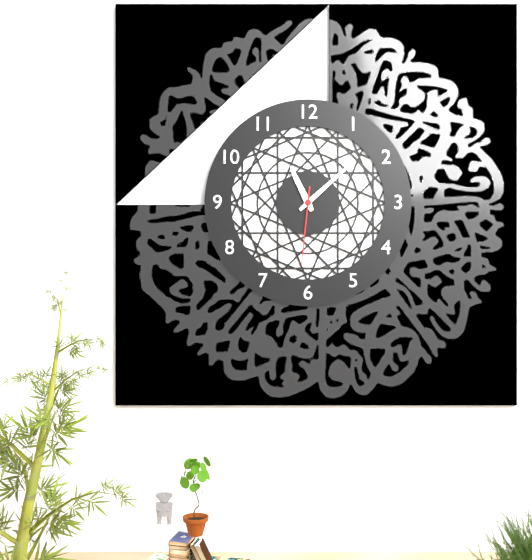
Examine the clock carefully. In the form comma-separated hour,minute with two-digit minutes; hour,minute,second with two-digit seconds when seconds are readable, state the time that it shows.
11,08,31
